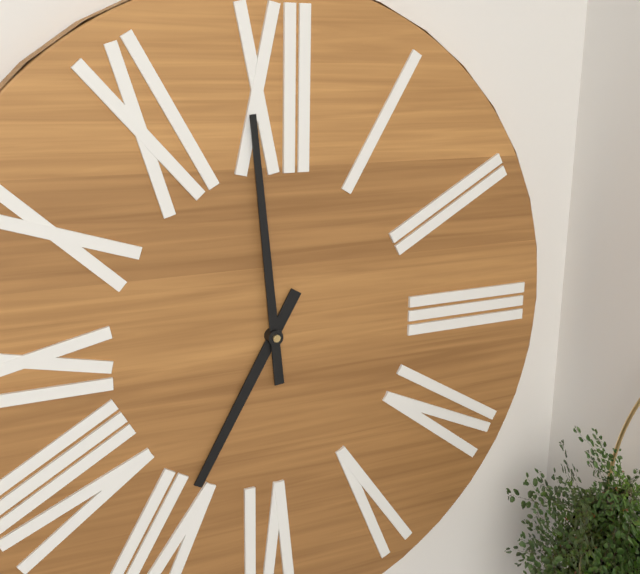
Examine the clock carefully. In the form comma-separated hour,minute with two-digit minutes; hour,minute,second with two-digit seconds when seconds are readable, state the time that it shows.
6,59
